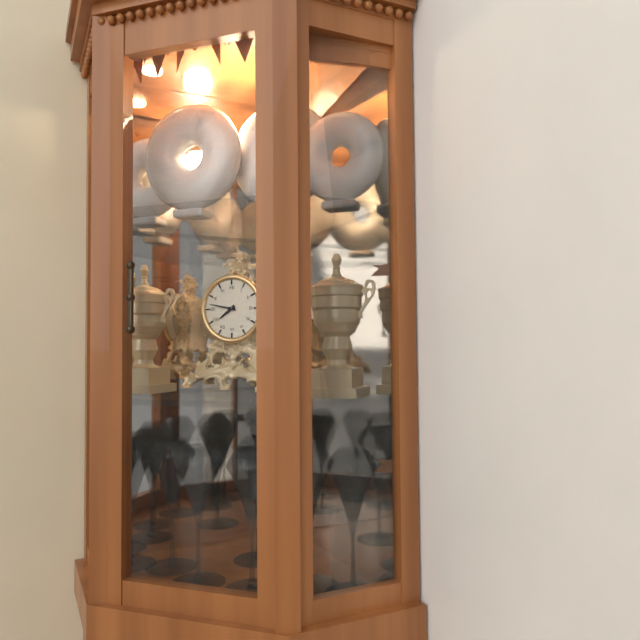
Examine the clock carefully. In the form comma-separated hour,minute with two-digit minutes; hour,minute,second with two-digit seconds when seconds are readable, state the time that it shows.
7,47
